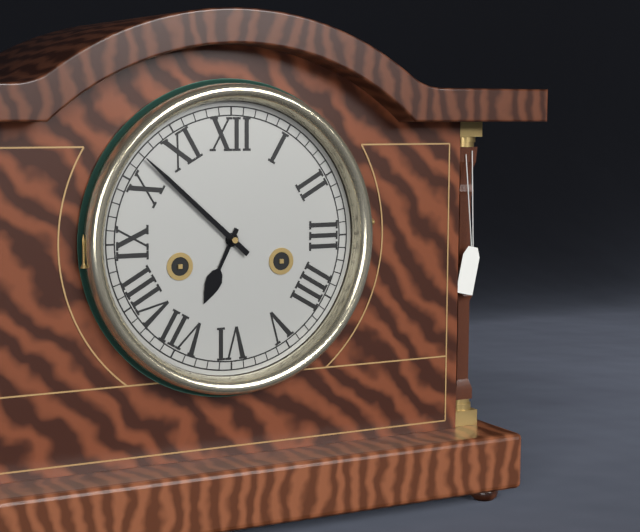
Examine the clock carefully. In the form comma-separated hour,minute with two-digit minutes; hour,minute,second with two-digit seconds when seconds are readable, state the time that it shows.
6,52
